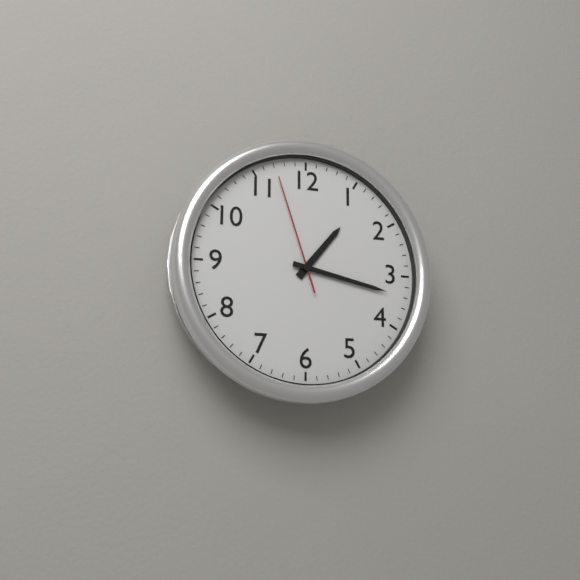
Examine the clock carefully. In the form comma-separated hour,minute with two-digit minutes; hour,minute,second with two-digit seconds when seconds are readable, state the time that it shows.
1,17,57
